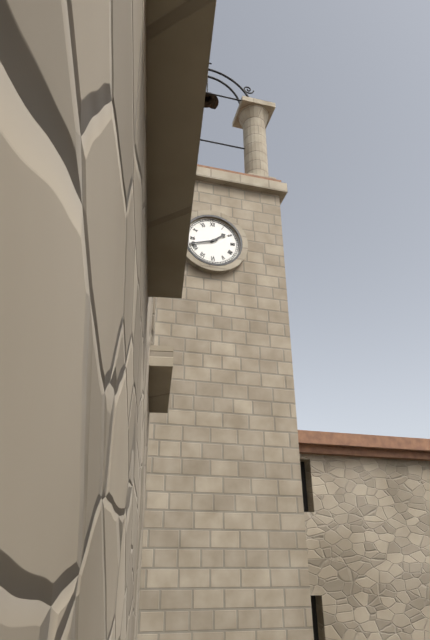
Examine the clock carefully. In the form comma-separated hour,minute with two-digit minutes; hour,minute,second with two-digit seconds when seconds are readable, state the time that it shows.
1,42
